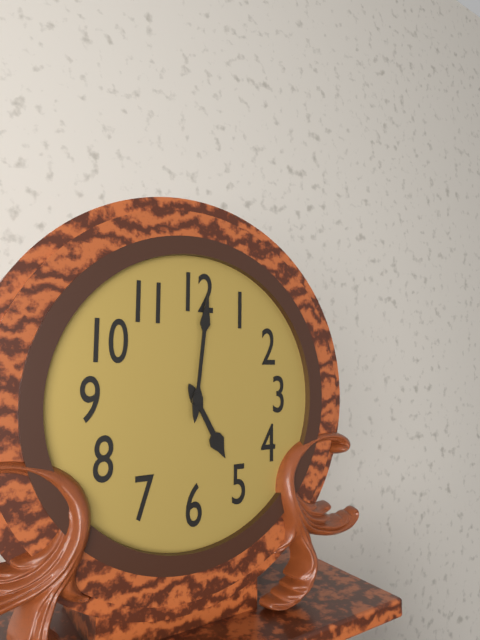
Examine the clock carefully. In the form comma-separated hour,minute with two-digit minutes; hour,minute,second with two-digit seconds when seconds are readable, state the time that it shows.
5,01
